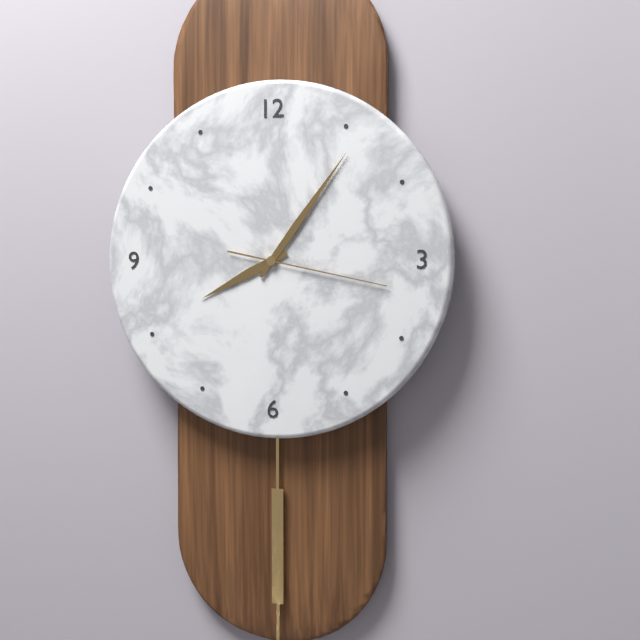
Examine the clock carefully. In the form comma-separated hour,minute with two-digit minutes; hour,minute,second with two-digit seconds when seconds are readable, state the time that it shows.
8,06,17
